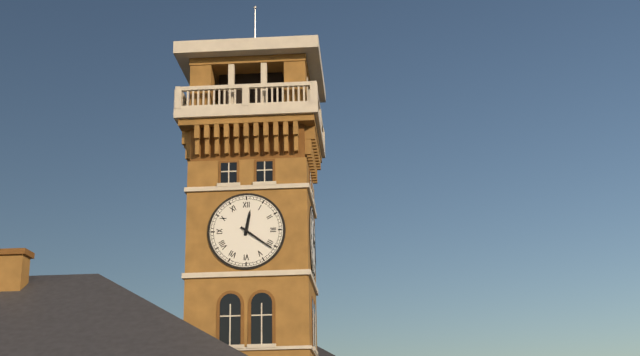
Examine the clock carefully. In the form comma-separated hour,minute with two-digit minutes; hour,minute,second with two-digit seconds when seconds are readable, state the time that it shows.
12,21
